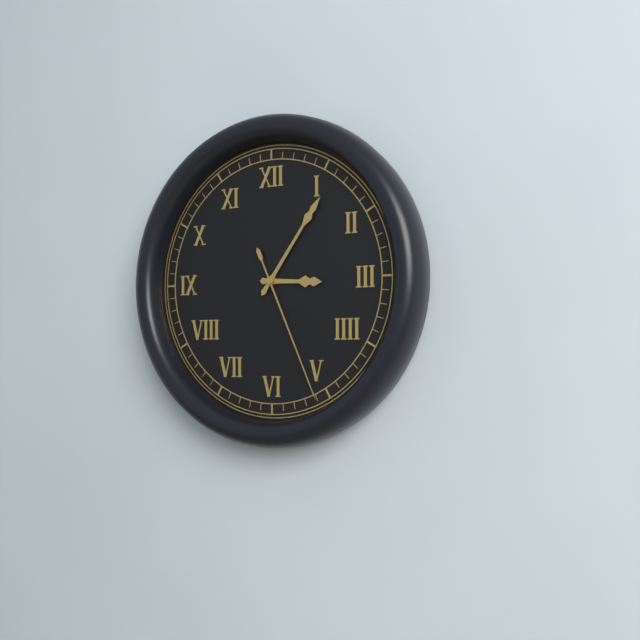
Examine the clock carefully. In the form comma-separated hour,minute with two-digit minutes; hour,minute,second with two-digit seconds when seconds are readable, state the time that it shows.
3,06,26
